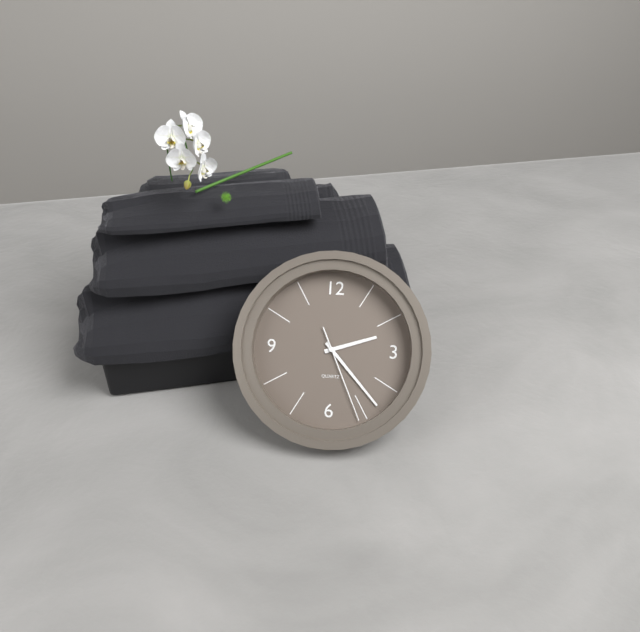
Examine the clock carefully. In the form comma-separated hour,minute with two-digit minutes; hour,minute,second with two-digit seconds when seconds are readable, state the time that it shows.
2,23,26
